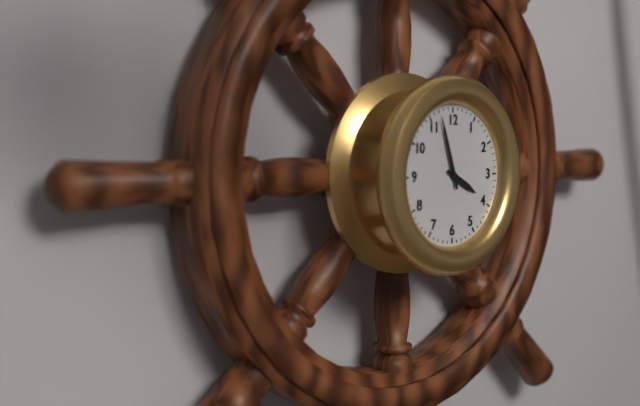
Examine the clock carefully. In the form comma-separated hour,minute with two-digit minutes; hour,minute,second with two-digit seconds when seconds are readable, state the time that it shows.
3,57
